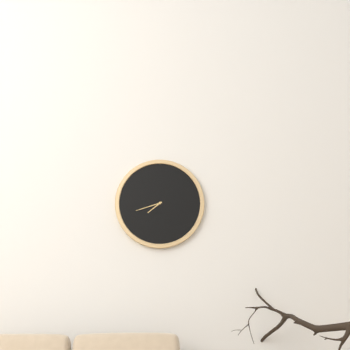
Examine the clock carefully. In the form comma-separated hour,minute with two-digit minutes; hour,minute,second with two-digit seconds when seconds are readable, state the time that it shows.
7,42
